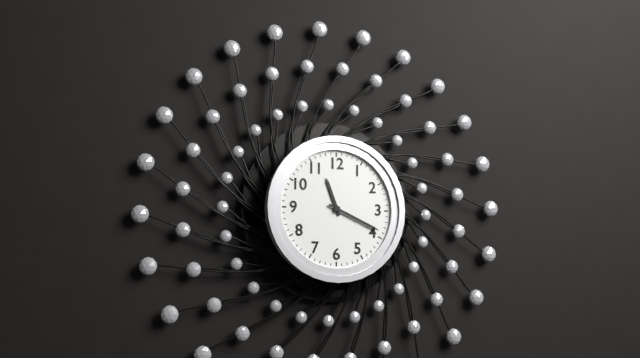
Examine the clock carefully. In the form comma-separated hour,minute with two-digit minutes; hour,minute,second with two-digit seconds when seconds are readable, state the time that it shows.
11,19
